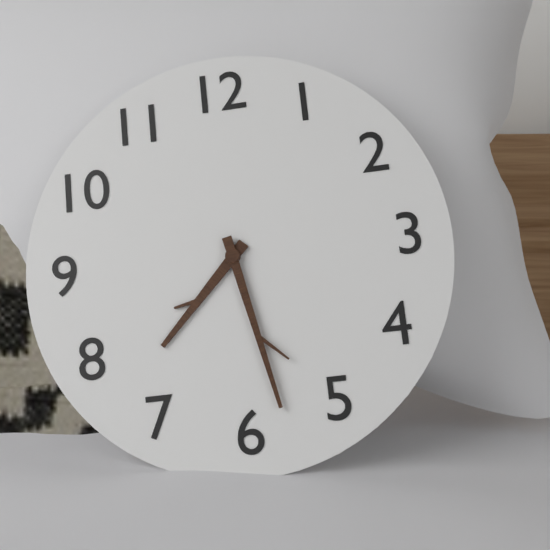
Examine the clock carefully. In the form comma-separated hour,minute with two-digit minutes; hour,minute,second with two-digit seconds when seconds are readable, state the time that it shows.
7,28
